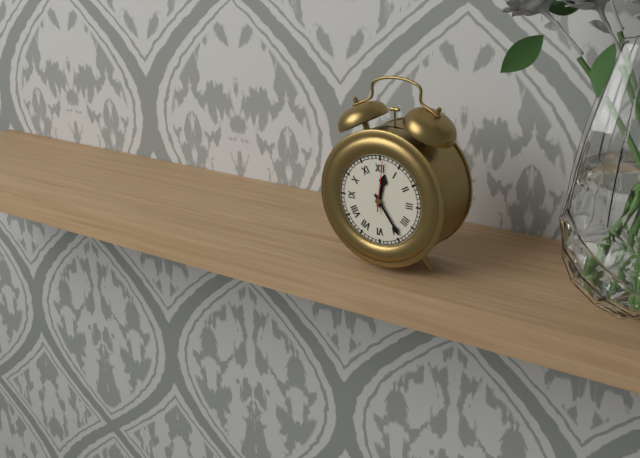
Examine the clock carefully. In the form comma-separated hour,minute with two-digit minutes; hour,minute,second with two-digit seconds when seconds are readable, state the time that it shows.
12,24,01
